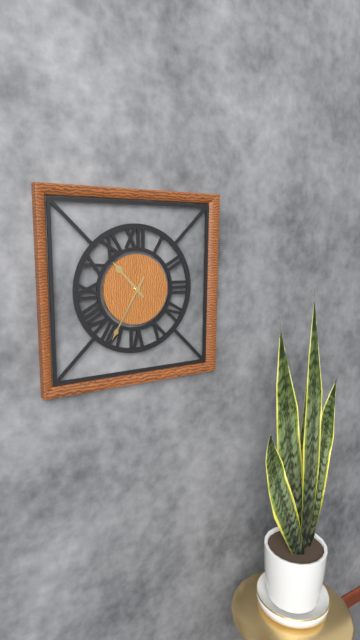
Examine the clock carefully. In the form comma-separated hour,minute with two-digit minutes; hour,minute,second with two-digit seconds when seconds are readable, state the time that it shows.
10,35
